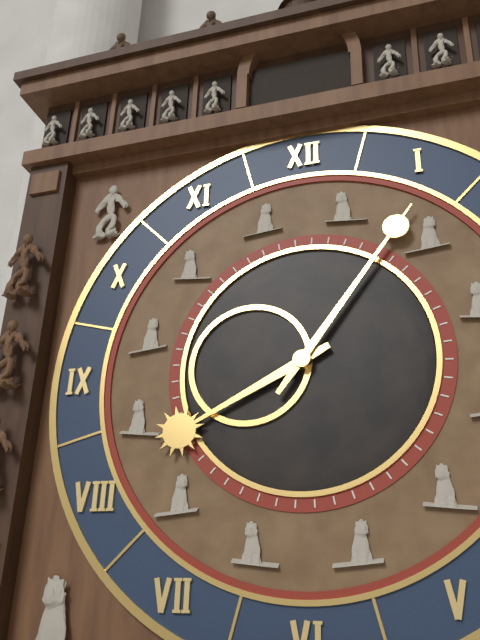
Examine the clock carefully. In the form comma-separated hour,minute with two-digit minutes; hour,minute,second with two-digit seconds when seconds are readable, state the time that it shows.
8,06
